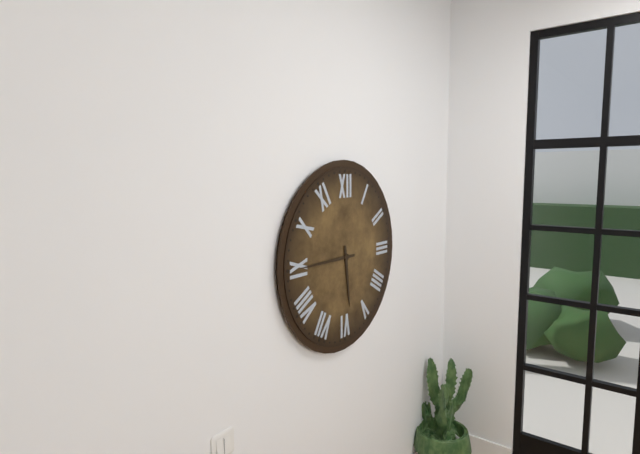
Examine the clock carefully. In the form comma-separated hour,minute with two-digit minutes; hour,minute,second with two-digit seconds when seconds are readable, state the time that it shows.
5,45
